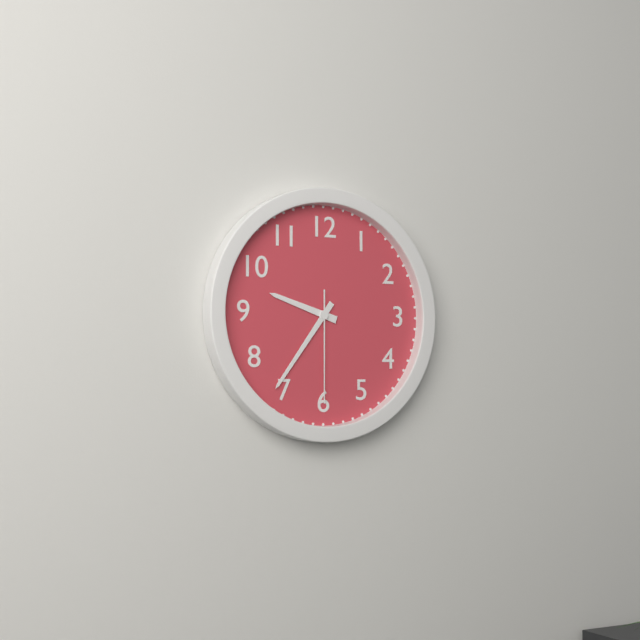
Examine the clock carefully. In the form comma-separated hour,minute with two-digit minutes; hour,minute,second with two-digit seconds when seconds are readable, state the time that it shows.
9,36,30
